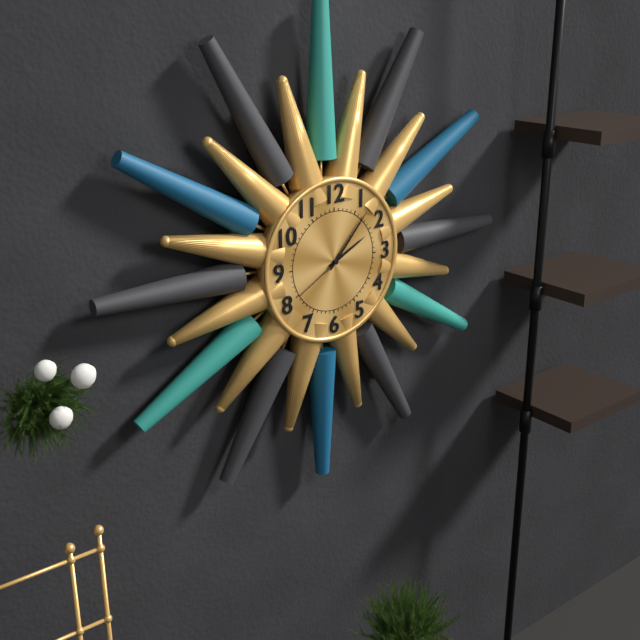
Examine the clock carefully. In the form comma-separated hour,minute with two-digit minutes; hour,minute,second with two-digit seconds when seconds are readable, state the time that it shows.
2,07,40
